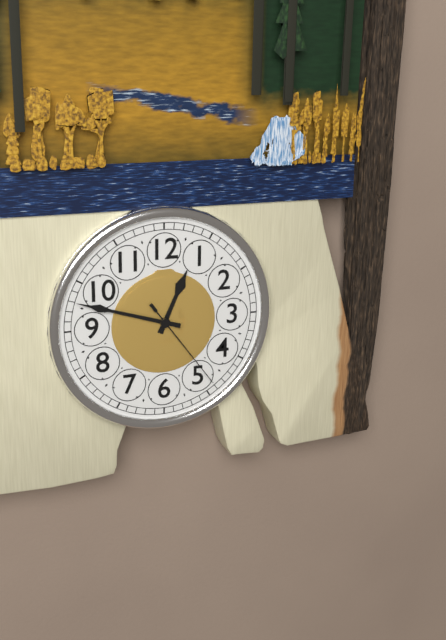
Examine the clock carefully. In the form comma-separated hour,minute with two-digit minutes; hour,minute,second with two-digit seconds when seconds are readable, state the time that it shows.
12,48,24
